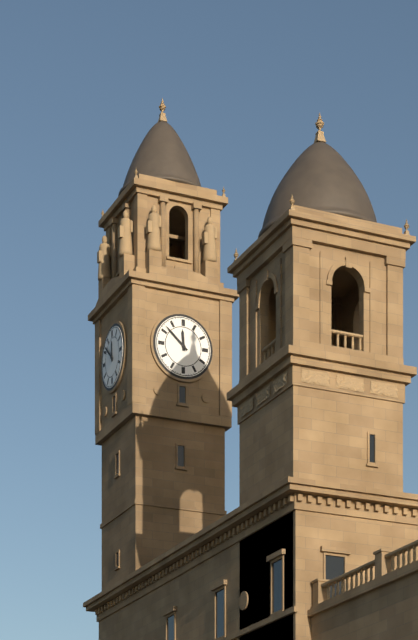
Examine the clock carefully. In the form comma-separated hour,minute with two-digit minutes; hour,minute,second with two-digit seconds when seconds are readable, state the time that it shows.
11,52
